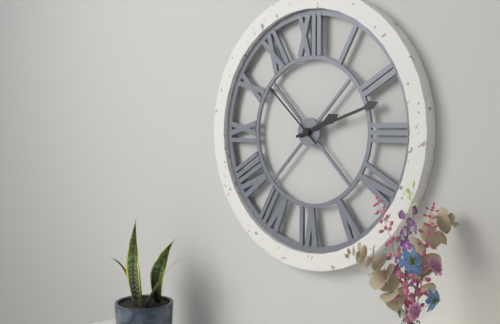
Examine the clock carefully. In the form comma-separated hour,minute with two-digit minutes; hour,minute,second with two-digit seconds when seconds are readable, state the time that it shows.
2,12,52
